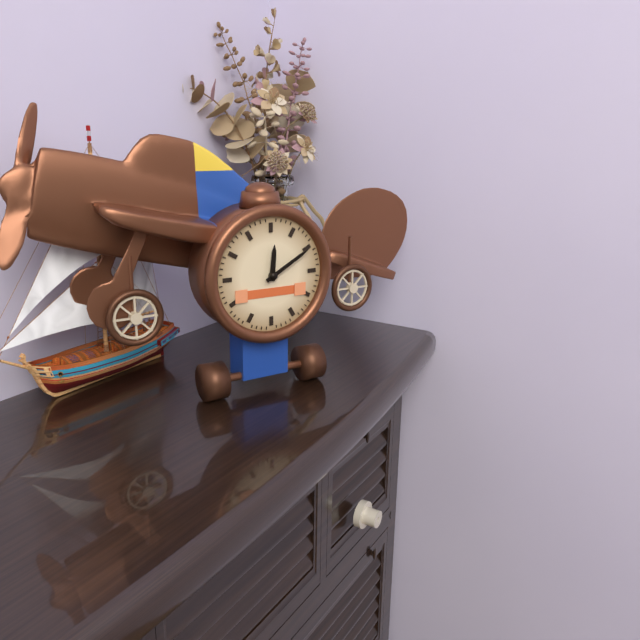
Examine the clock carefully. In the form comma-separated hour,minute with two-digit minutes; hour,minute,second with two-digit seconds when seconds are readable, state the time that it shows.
12,10
